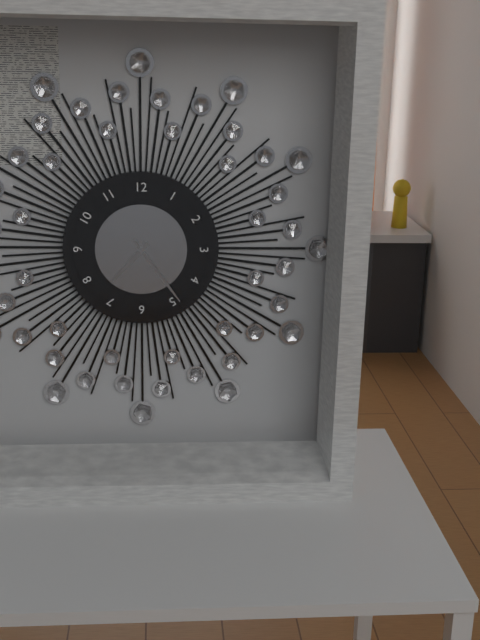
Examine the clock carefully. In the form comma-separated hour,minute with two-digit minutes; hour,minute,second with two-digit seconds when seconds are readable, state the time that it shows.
7,24
